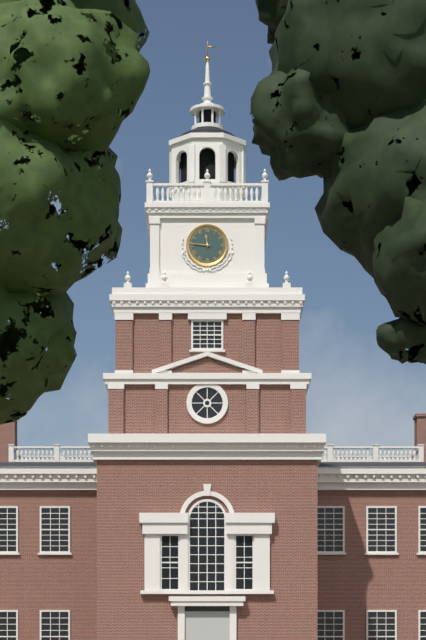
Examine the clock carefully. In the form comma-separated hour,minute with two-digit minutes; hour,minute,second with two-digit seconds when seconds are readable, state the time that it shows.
11,46
